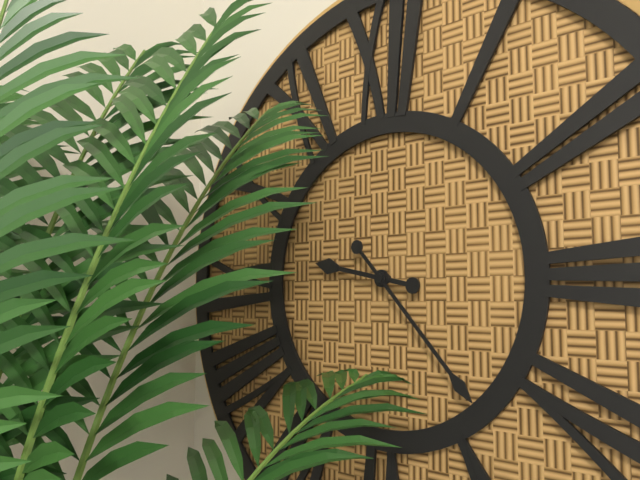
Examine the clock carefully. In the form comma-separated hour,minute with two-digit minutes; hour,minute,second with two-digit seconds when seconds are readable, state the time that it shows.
9,23
